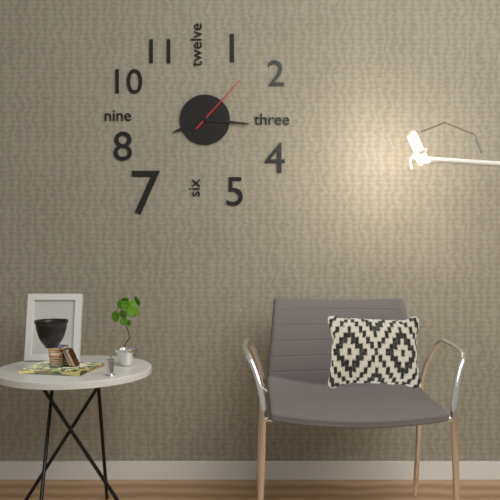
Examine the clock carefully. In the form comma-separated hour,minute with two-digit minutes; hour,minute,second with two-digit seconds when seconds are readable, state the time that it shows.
8,16,07
